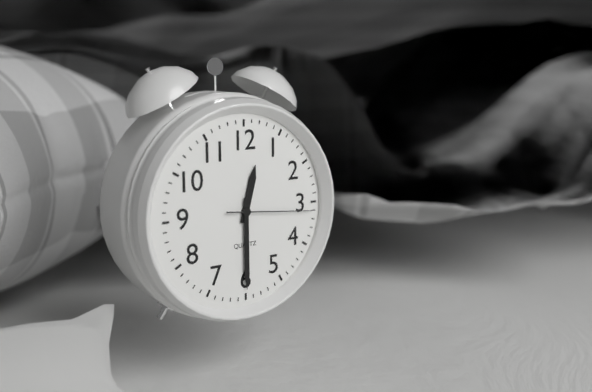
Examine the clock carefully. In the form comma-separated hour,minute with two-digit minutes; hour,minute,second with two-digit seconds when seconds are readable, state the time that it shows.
12,30,16
